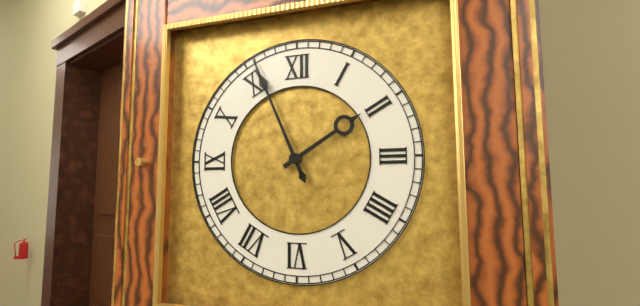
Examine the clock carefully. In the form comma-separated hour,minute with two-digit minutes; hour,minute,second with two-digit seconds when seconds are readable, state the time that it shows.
1,56
